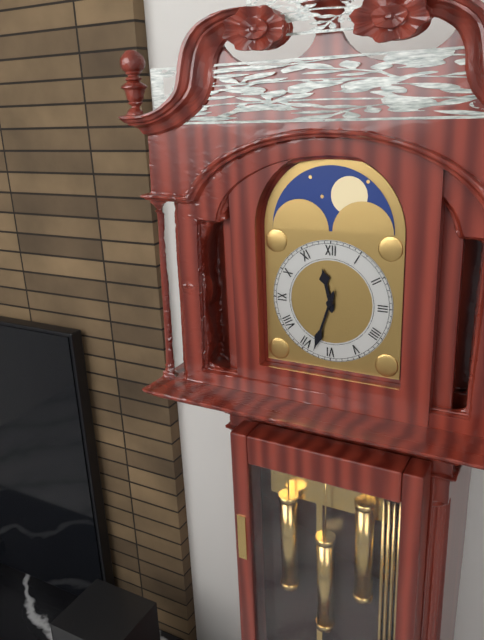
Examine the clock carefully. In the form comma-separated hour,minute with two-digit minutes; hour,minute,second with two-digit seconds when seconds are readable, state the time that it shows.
11,33
